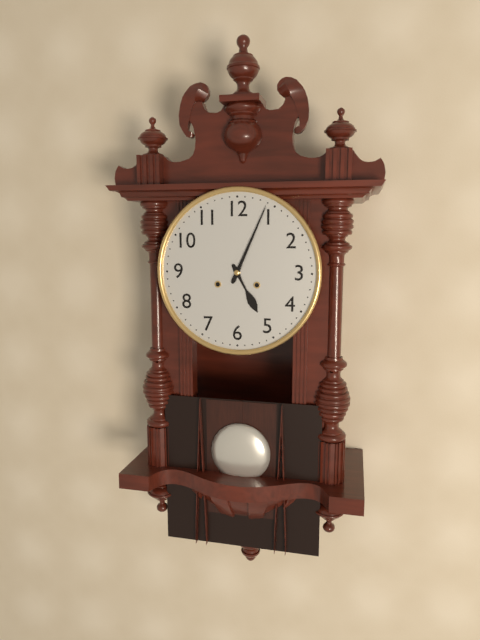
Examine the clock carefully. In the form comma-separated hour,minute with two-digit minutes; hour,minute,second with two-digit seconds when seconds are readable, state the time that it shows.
5,04
